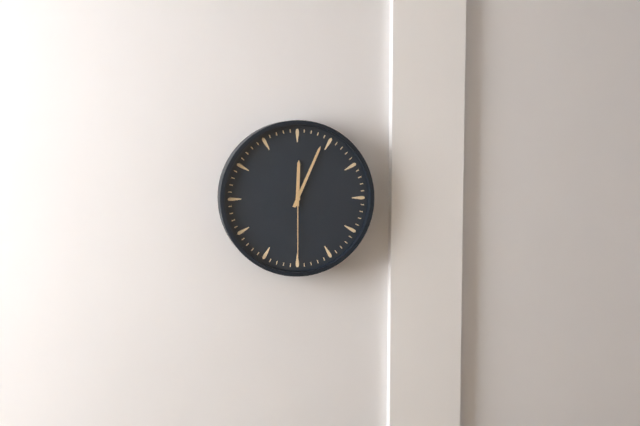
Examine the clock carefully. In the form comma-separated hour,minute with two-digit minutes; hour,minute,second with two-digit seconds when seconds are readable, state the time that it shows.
12,04,30
